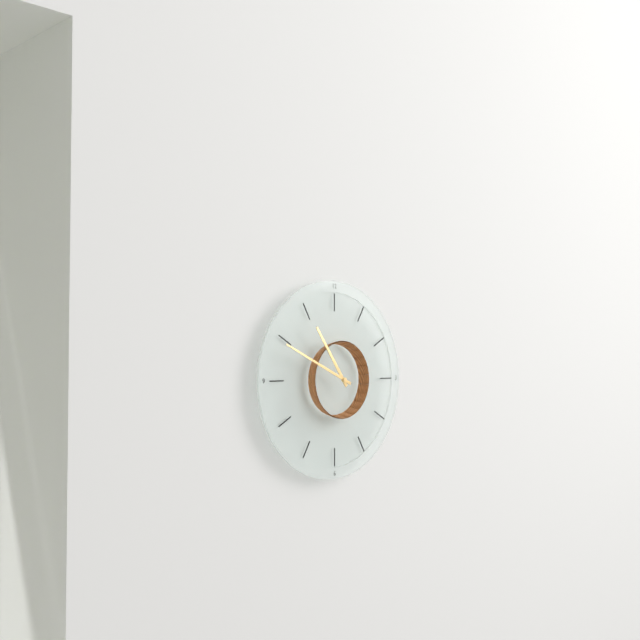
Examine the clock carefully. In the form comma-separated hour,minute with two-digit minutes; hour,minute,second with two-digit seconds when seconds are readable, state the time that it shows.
10,49
